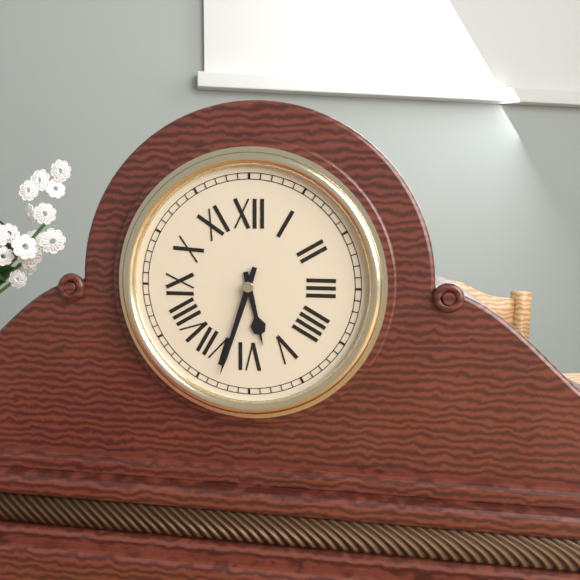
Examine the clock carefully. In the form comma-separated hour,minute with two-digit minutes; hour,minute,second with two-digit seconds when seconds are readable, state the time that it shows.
5,33
